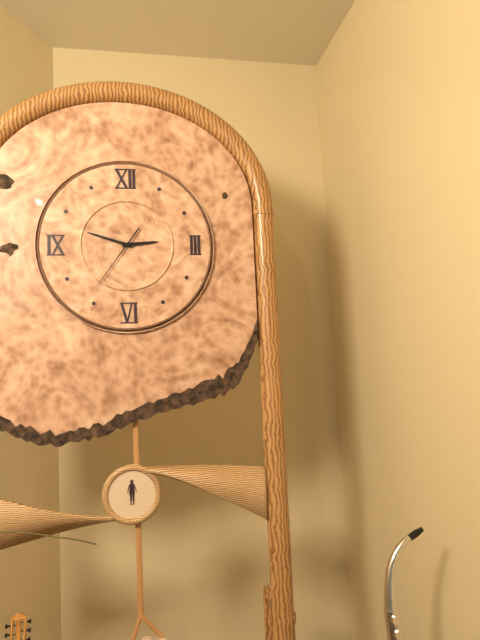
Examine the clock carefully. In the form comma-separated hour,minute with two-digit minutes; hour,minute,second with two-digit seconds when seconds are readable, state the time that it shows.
2,48,36
